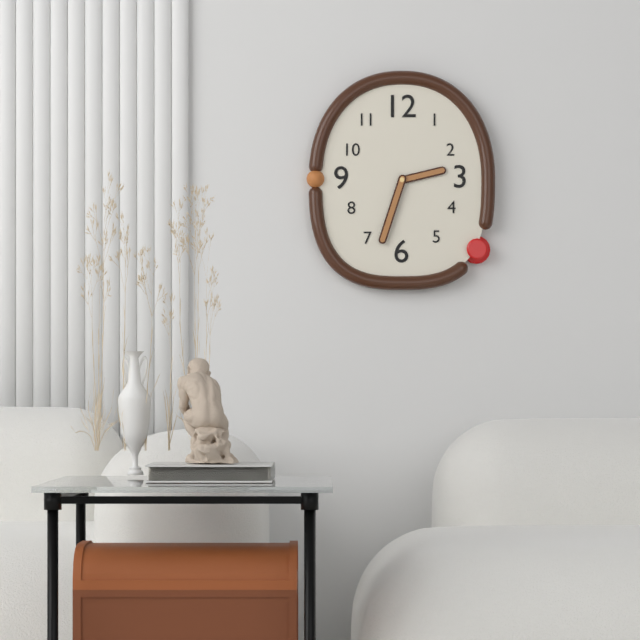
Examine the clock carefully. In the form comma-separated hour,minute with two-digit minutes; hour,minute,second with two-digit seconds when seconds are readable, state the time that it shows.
2,33
